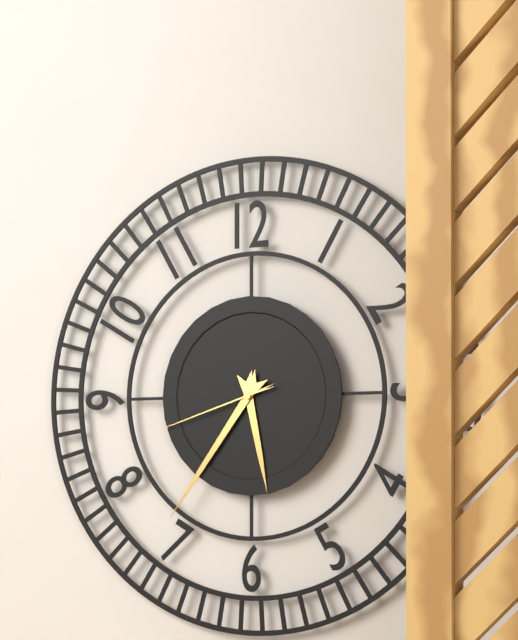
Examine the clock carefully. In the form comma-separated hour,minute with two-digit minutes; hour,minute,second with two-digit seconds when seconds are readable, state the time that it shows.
5,36,42
